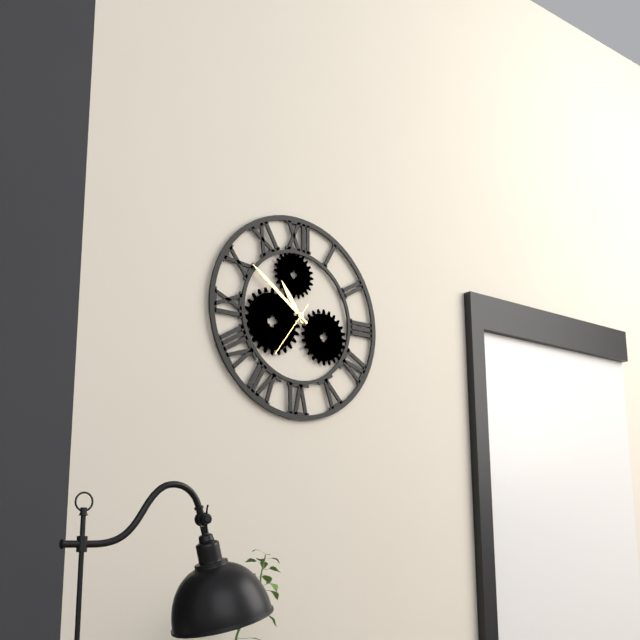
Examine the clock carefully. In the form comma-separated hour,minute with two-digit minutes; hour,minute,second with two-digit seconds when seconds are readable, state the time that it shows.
10,51,36
